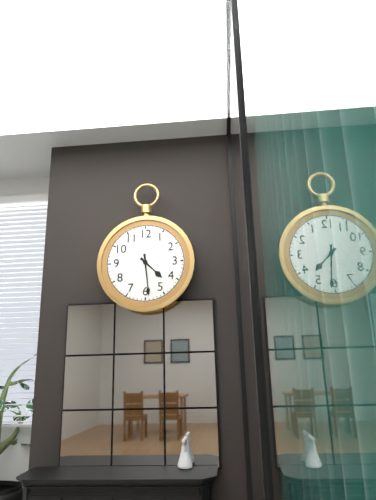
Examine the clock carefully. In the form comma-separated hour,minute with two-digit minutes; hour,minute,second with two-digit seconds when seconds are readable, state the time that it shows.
4,29
